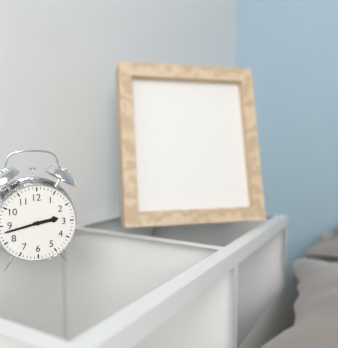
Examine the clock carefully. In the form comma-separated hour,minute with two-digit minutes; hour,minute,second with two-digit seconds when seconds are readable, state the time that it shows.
2,43
